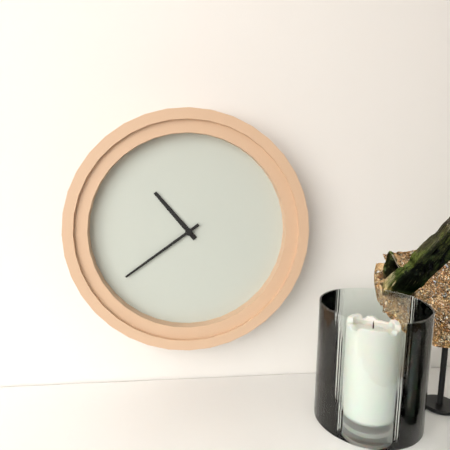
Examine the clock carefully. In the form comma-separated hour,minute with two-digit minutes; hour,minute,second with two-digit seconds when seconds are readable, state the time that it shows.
10,39
